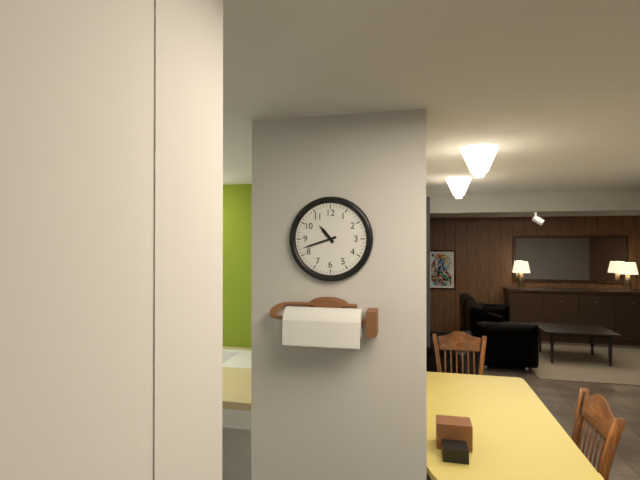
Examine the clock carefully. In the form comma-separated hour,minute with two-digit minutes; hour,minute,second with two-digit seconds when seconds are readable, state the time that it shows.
10,42
